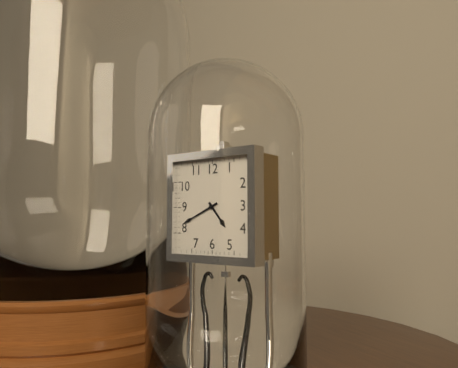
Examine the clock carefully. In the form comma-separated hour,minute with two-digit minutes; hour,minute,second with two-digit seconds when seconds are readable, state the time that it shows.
4,41
